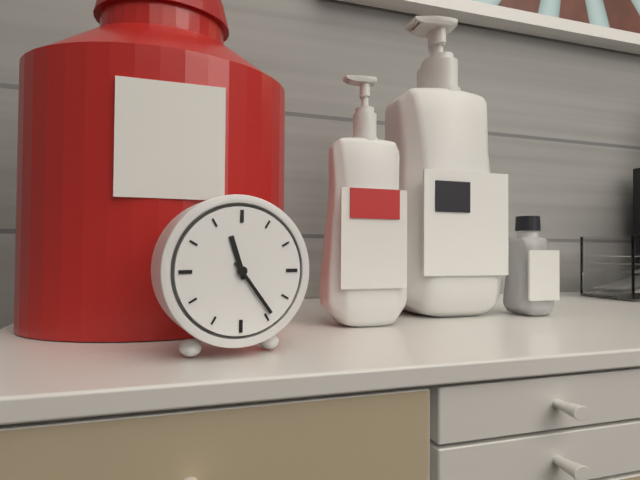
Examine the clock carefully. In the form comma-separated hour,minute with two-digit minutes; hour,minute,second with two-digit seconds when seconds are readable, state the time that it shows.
11,24
